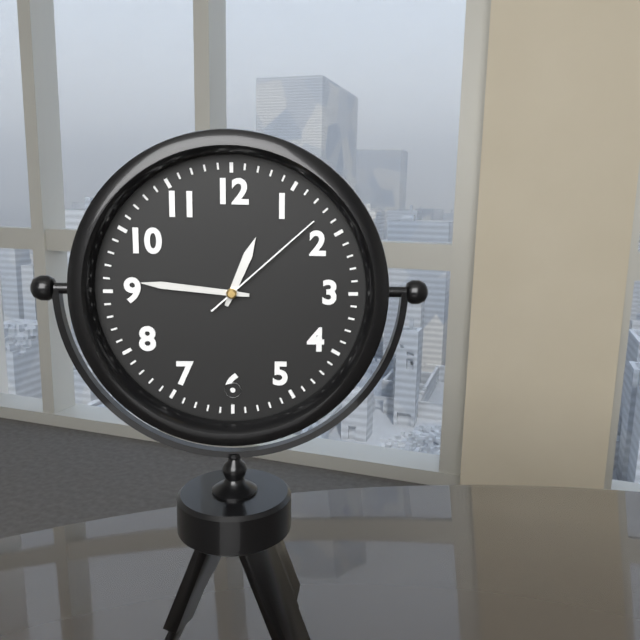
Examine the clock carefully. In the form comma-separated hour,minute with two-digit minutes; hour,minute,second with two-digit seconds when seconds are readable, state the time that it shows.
12,46,08
